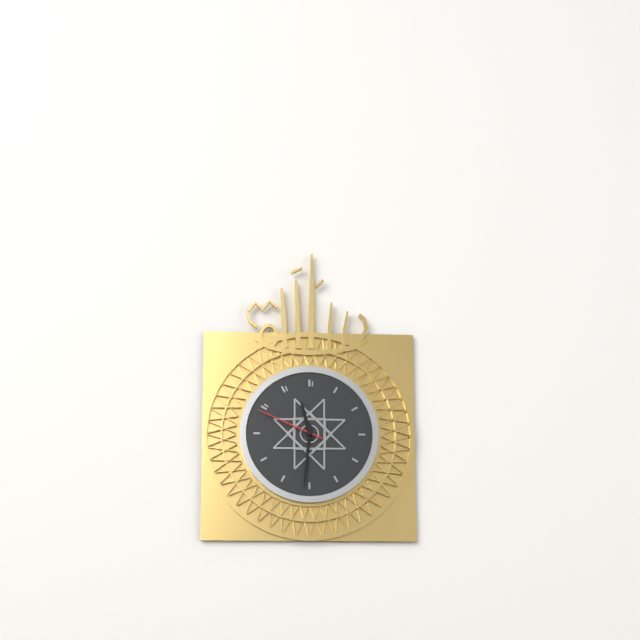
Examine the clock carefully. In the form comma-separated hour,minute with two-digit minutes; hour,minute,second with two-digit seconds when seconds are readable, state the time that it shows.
11,31,49
